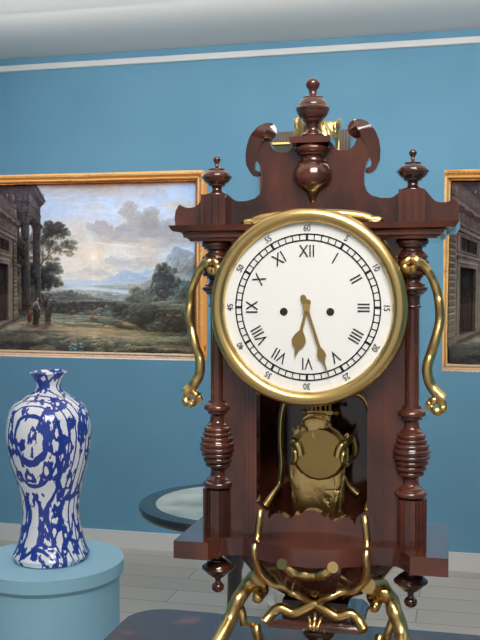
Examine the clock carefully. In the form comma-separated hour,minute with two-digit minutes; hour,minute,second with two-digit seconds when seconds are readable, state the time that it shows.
6,27
